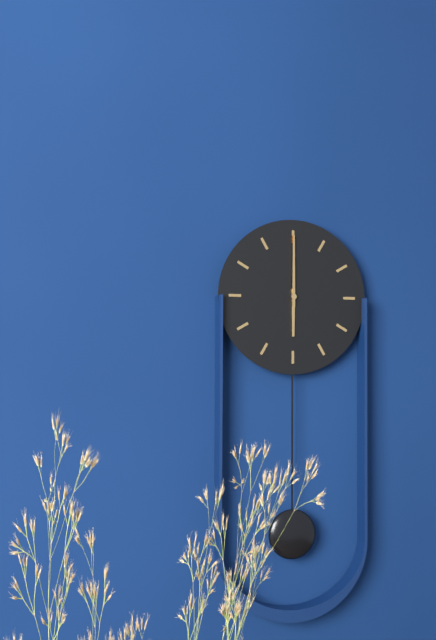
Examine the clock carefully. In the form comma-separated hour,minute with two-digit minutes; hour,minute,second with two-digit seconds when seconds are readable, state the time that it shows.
6,00
